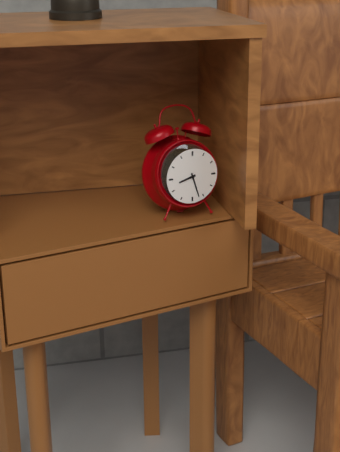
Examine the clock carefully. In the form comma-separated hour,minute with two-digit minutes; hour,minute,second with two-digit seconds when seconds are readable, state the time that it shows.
8,27
